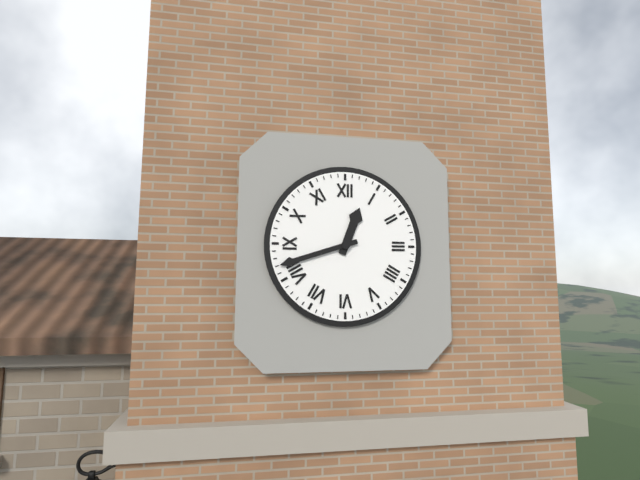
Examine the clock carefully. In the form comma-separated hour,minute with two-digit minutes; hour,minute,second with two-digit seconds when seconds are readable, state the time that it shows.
12,42
